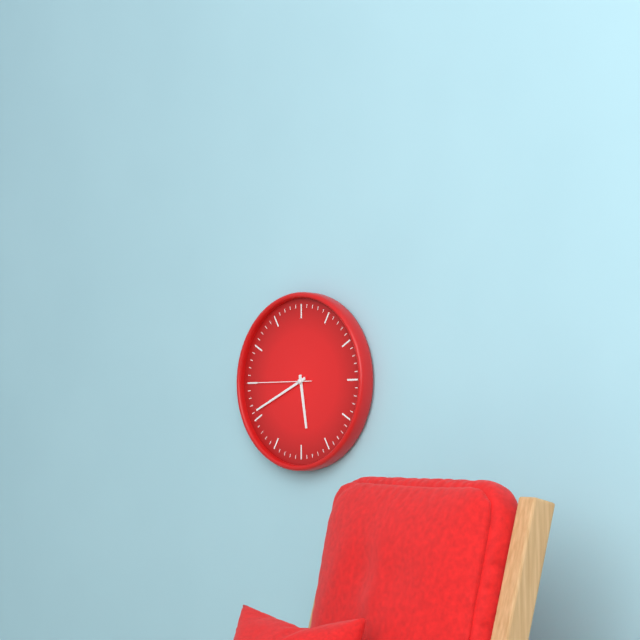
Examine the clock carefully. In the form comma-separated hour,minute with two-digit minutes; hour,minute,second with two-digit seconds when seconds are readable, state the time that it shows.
5,41,45
